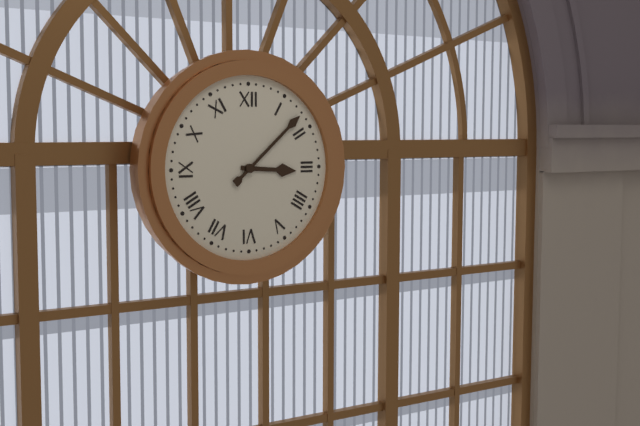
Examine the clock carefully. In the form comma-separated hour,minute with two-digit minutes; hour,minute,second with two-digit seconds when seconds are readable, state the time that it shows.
3,08
